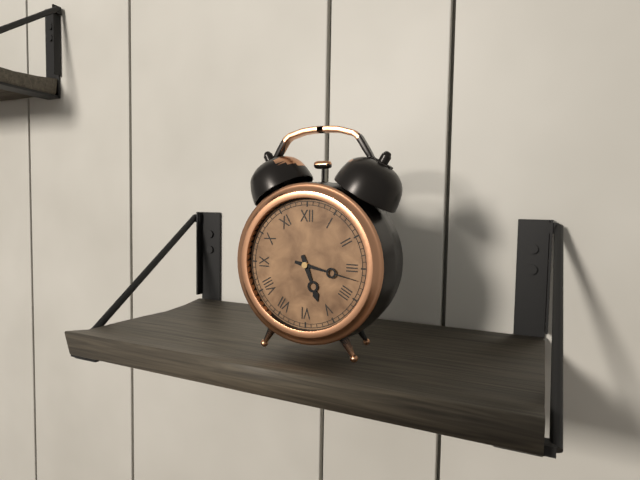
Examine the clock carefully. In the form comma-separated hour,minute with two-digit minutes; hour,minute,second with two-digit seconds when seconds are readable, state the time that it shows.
5,17
